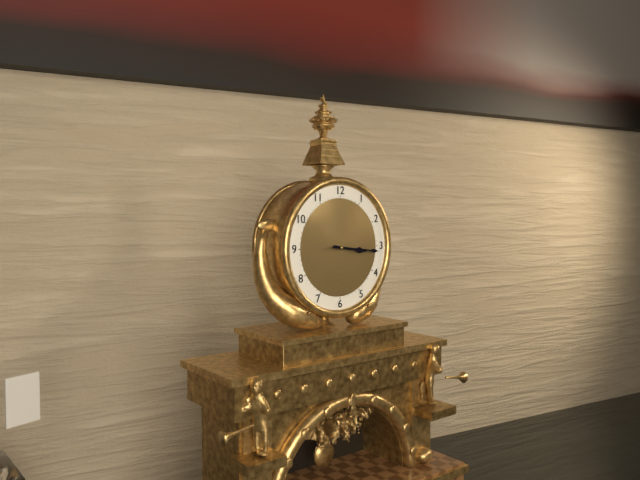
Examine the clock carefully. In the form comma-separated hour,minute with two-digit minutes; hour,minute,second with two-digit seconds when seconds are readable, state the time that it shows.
3,16
